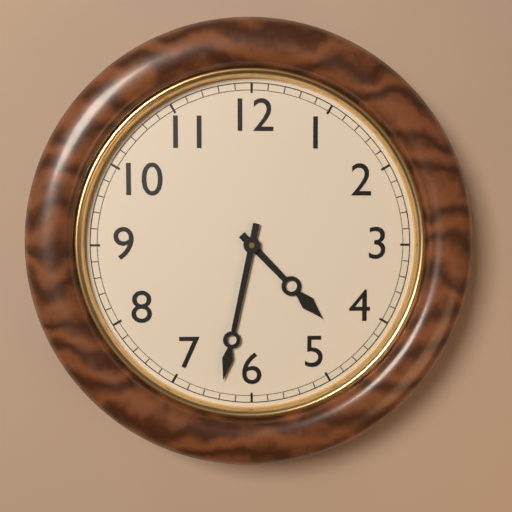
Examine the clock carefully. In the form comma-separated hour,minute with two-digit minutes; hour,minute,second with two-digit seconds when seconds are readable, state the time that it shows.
4,32
